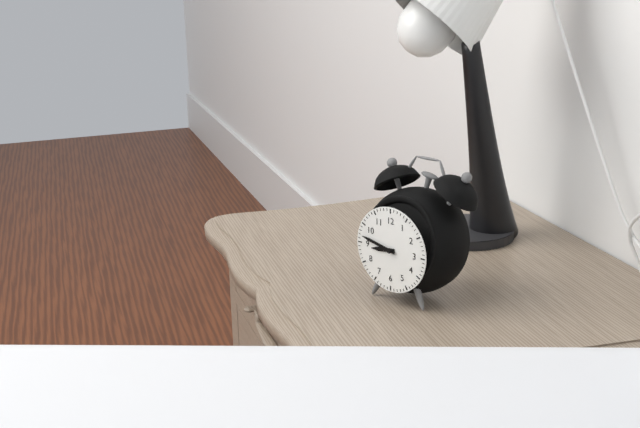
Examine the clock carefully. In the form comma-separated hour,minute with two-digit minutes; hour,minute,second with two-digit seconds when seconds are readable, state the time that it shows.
8,47
